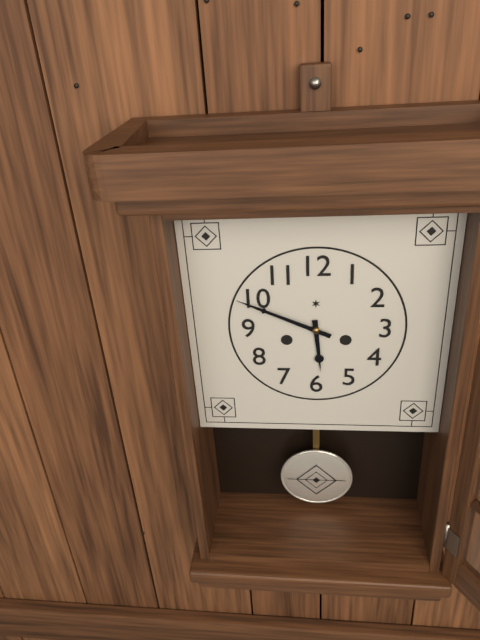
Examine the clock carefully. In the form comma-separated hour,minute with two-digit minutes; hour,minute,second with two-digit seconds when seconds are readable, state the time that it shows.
5,49
